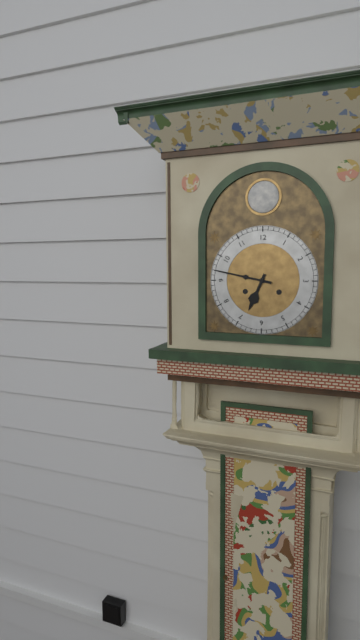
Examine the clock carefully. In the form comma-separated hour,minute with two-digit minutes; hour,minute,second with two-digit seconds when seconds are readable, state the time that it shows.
6,47
